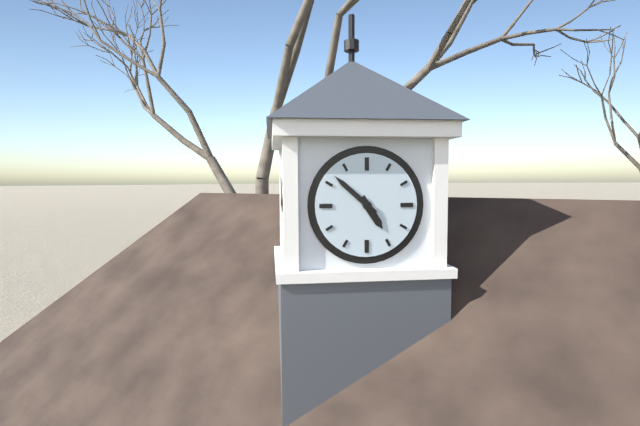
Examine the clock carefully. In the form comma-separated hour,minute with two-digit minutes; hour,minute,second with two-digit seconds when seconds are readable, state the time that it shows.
4,52
